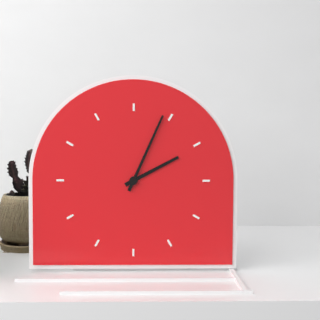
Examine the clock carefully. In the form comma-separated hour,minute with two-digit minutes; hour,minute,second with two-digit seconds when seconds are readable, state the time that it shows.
2,04
